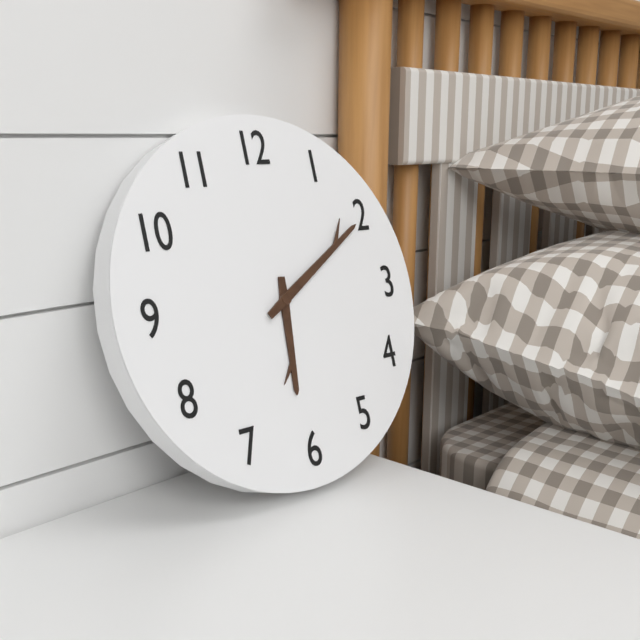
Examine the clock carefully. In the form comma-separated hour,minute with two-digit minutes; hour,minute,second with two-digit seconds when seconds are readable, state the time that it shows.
6,10
